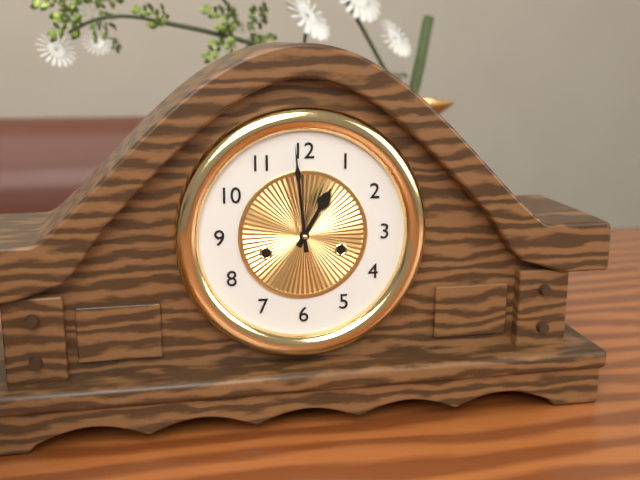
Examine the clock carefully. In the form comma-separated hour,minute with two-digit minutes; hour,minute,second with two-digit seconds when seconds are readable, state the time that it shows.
12,59
